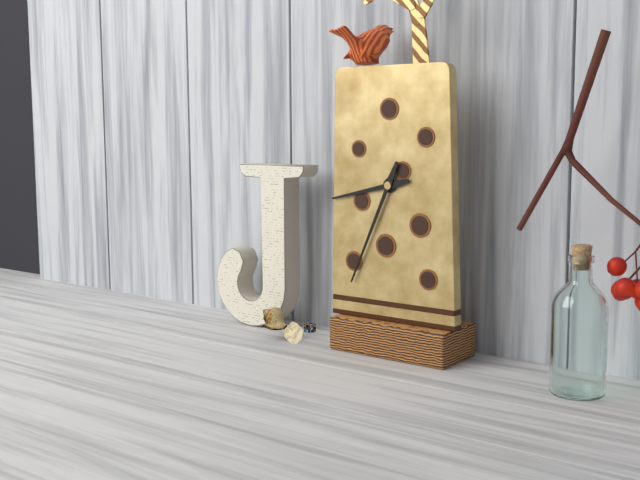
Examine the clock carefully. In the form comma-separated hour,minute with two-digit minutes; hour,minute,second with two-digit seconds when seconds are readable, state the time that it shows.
8,34
